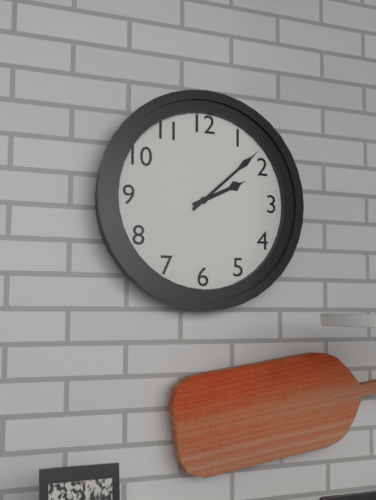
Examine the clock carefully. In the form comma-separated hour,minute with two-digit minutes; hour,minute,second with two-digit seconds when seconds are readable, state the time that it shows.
2,08
